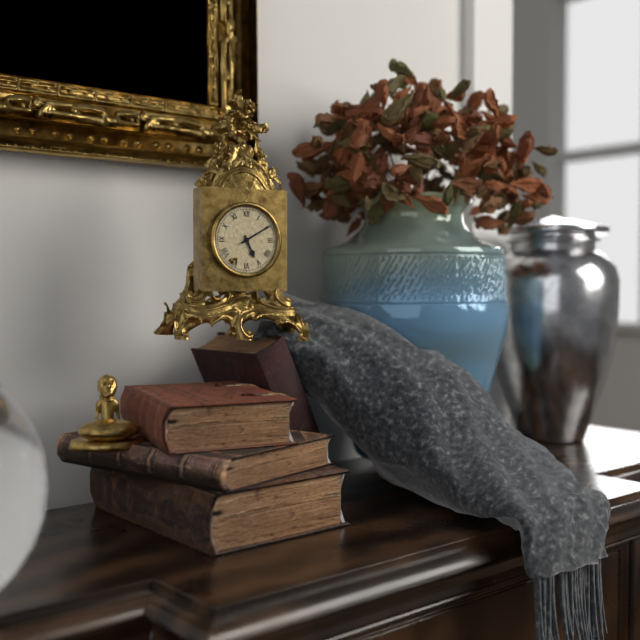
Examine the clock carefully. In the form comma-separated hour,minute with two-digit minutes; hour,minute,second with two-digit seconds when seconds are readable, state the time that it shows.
5,10
